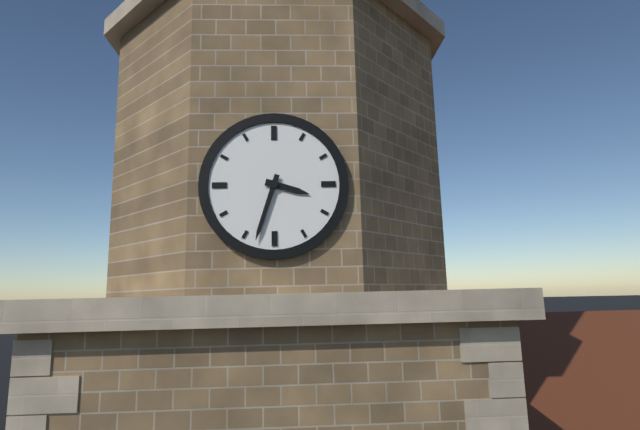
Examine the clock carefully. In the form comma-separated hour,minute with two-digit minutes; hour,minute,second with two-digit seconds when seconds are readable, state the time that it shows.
3,33
